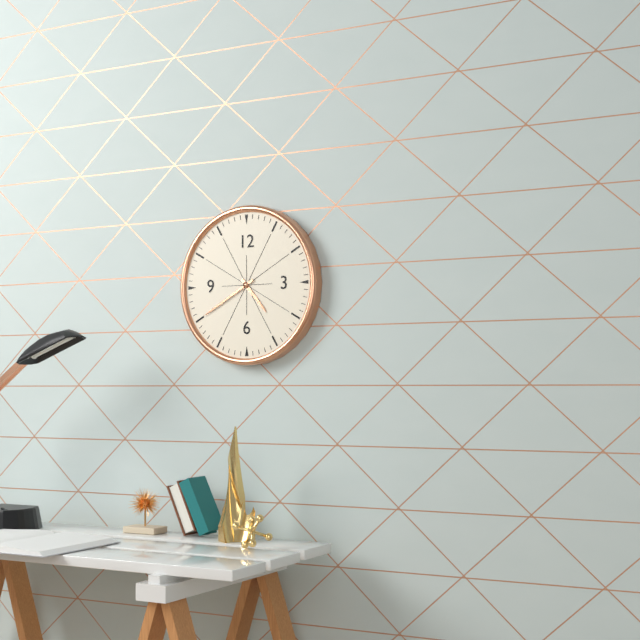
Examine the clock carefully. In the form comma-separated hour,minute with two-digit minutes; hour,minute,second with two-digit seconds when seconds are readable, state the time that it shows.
4,40
